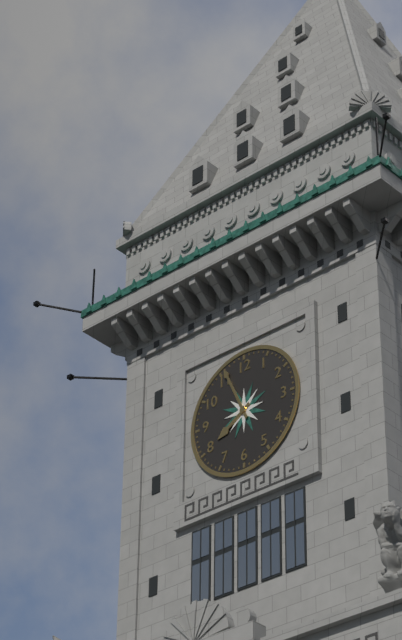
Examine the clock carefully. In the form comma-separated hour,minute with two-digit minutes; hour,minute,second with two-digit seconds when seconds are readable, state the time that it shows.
7,56
